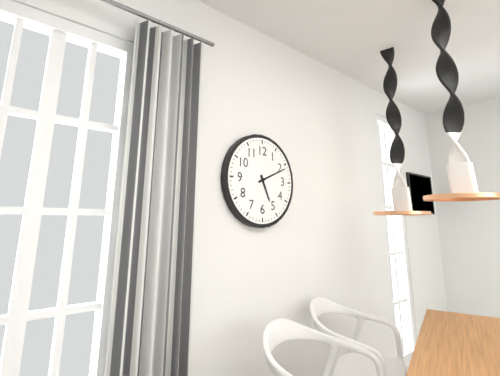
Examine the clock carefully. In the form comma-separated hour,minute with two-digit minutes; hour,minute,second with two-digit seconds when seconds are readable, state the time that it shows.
5,11
